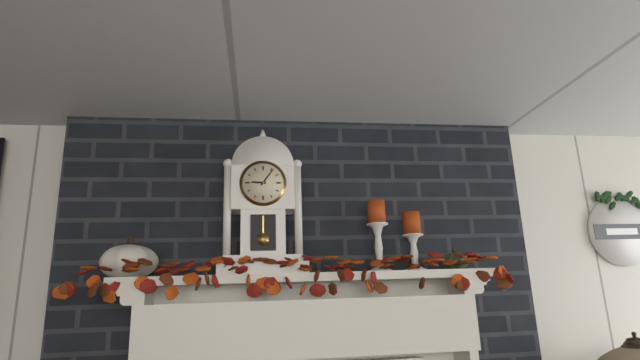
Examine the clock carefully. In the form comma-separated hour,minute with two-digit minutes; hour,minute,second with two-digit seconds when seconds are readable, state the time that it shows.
9,06
